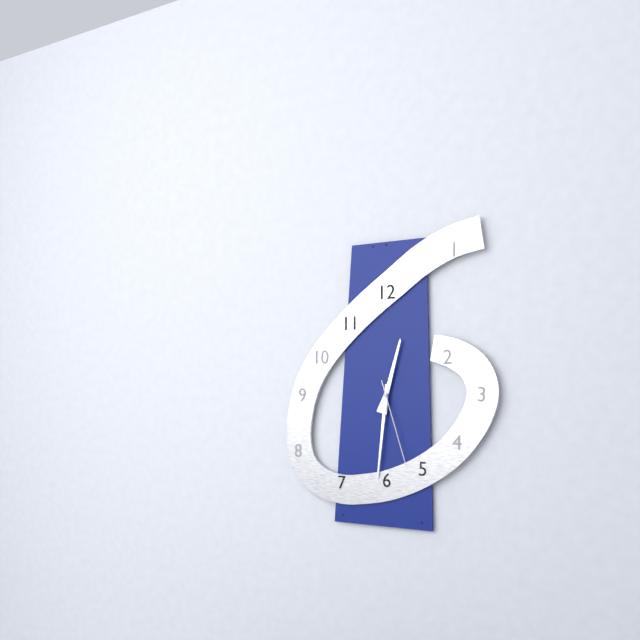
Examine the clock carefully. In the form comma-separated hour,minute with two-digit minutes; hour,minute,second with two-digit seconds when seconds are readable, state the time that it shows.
12,31,27
